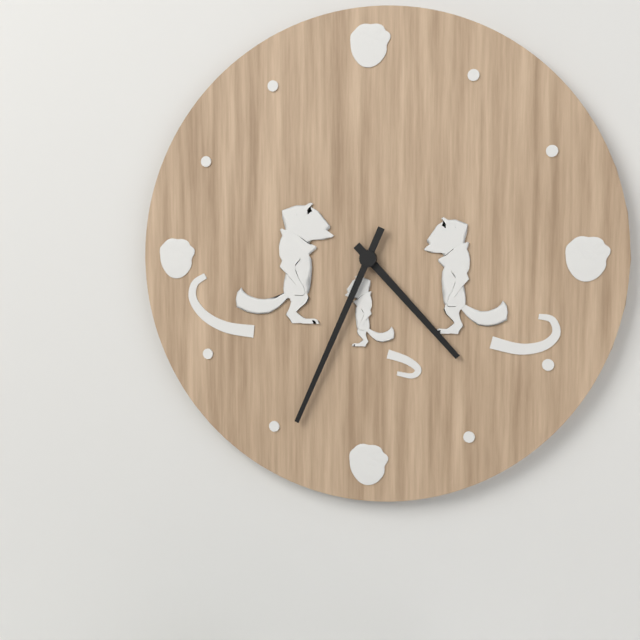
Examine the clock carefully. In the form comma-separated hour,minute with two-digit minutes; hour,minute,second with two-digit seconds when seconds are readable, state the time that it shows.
4,34
